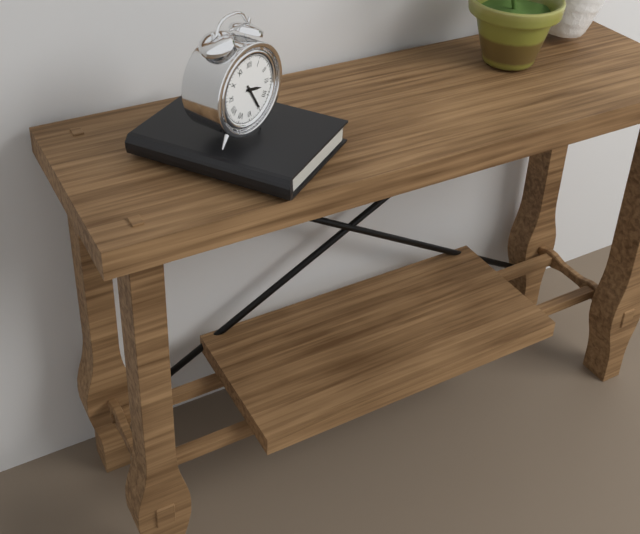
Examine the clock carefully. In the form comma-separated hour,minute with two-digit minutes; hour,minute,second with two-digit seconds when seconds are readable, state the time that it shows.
3,25
